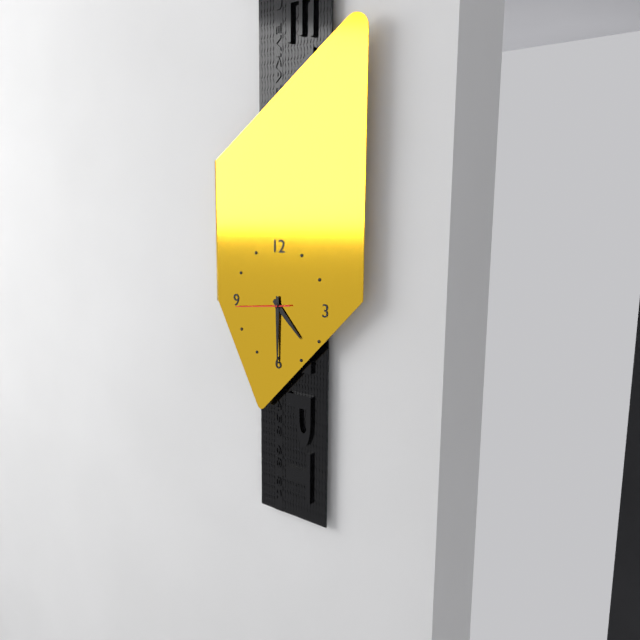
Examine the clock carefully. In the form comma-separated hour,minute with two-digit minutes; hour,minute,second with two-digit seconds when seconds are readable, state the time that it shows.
4,30,44
